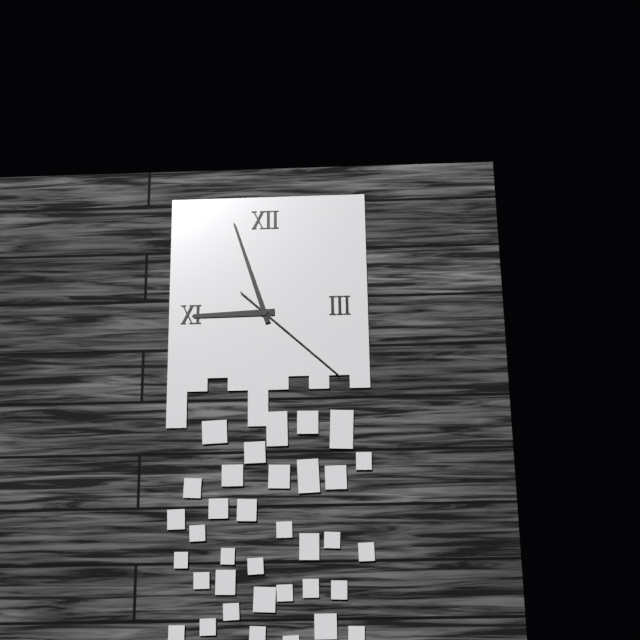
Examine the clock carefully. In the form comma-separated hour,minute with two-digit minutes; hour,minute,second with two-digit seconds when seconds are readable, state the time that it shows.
8,57,22
